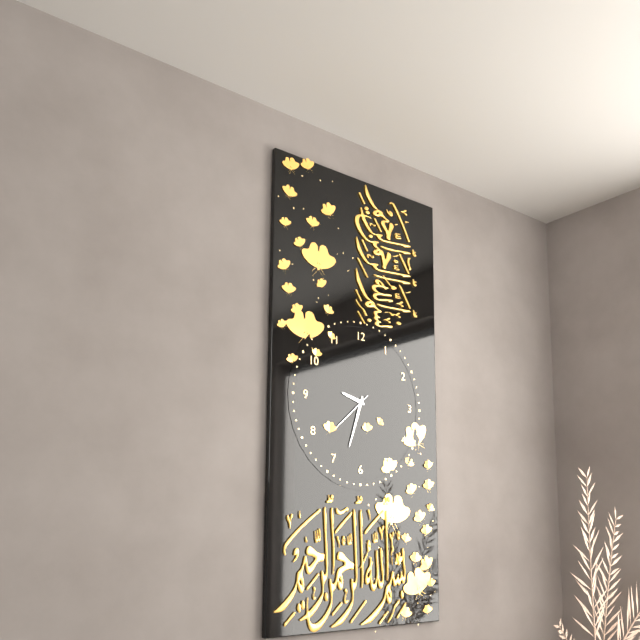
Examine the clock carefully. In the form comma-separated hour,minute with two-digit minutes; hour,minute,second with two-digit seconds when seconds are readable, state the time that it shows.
9,33
